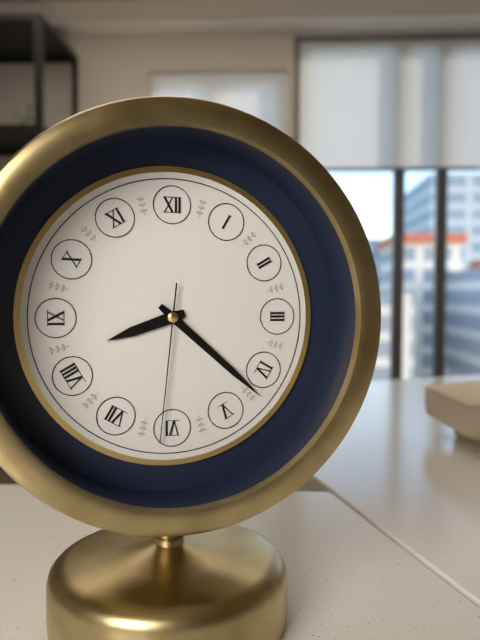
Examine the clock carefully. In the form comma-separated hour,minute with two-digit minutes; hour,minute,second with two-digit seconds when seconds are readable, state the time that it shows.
8,22,31
